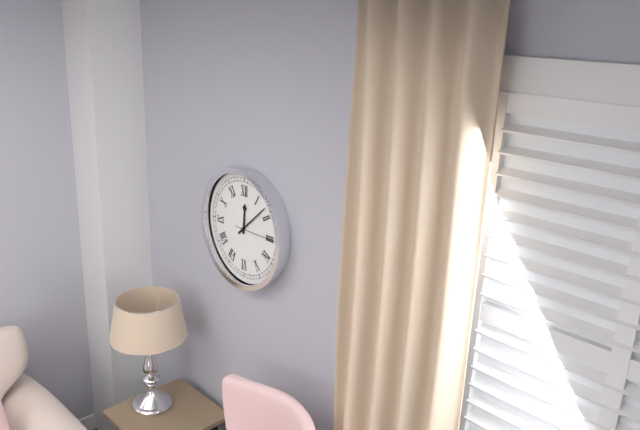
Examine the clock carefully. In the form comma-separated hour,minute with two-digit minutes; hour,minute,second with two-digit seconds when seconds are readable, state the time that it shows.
12,08
